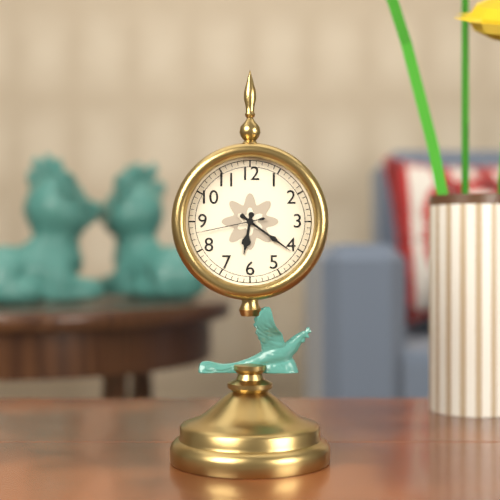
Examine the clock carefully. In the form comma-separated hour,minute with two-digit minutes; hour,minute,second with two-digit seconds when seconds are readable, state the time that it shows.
6,21,43
